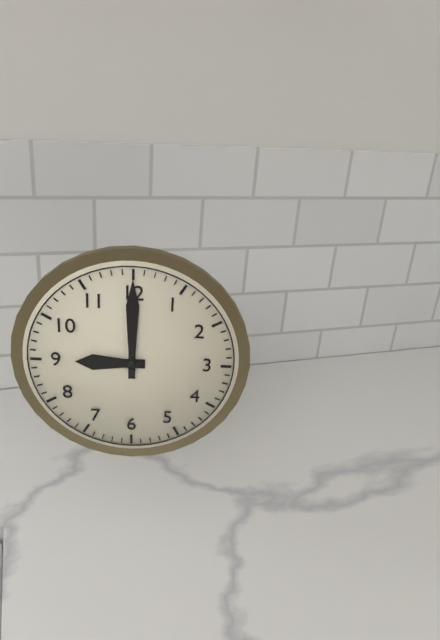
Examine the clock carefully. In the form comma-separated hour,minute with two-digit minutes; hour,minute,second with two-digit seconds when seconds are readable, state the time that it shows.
9,00
